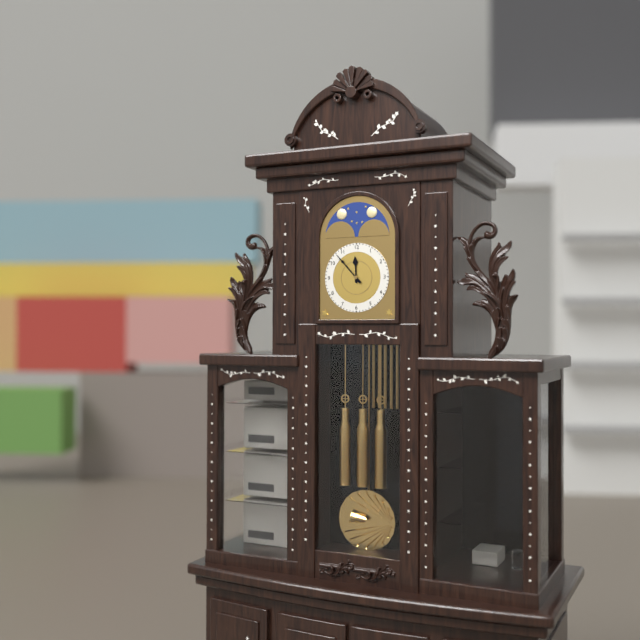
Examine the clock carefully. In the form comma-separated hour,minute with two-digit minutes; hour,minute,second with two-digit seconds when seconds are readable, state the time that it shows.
11,53
